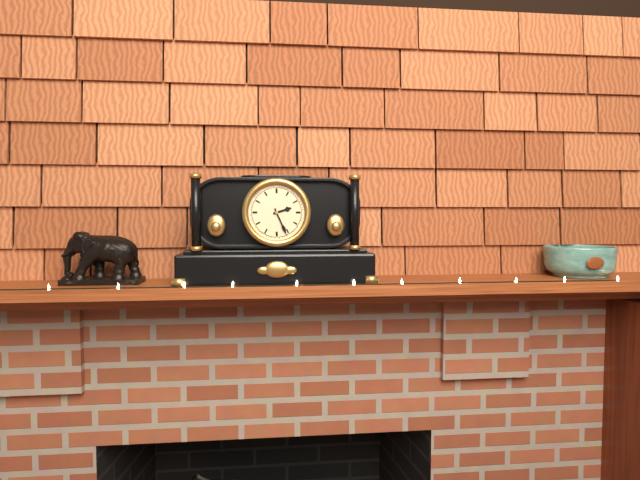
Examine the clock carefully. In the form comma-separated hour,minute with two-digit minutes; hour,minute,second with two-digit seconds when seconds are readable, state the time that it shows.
2,26
